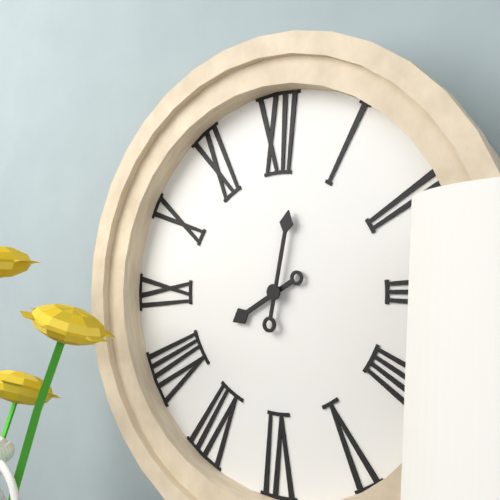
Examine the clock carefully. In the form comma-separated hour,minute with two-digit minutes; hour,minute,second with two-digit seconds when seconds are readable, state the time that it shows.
8,02
